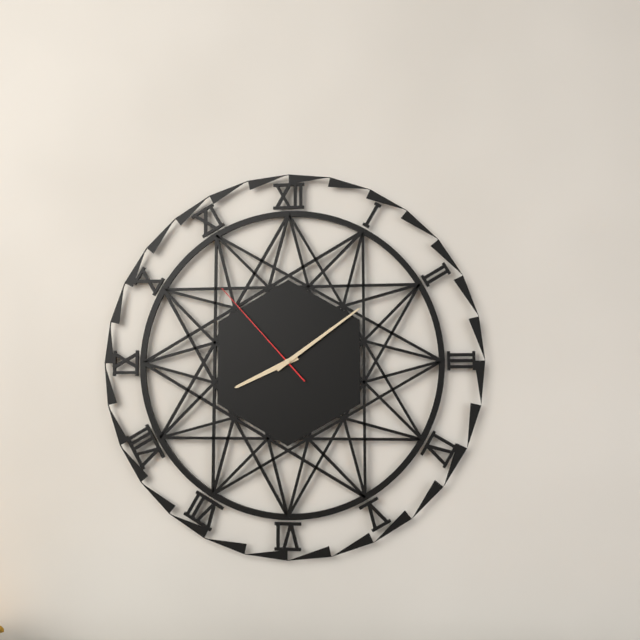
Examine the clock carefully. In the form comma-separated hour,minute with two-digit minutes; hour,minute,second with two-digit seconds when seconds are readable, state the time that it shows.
8,09,53
